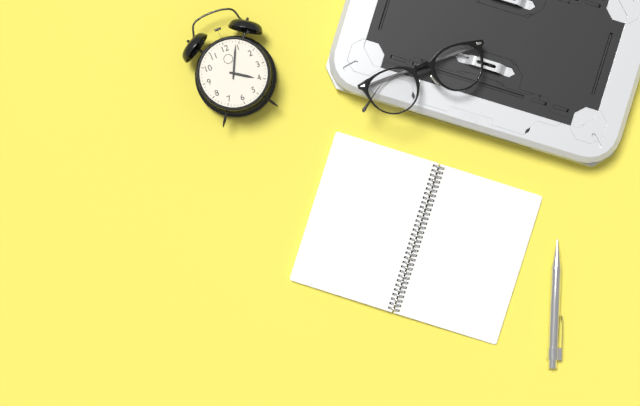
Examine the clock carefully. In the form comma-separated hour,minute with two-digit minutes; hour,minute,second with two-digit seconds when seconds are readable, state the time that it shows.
4,04
